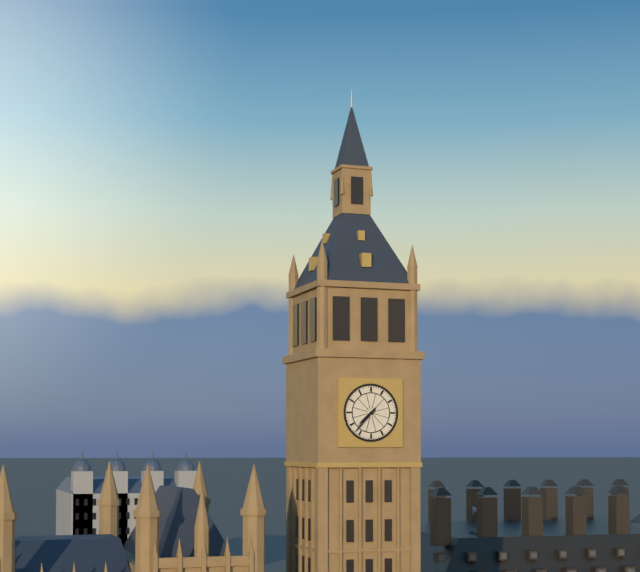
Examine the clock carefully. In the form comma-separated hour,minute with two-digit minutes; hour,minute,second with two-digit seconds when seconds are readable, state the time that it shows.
7,37
